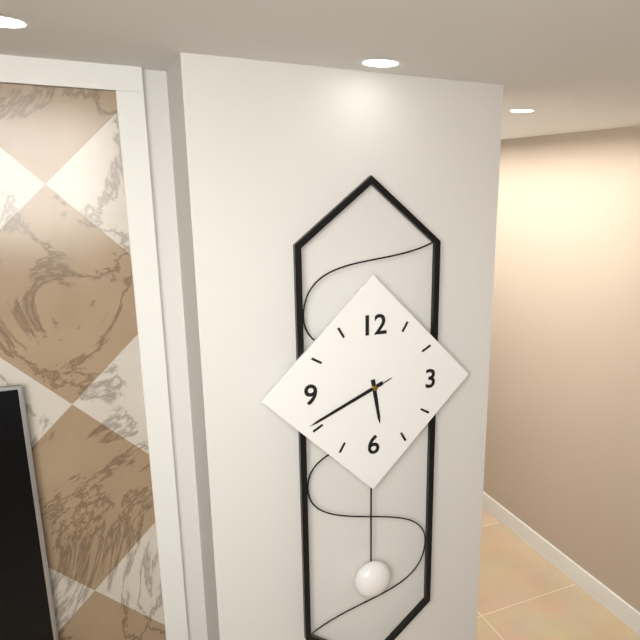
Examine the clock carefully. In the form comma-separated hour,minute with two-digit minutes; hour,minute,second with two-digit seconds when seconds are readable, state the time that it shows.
5,41,41
